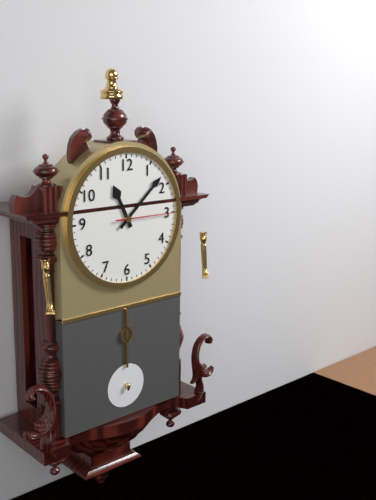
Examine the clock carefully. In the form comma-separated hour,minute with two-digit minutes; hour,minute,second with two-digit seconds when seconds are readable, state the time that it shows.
11,08,15
